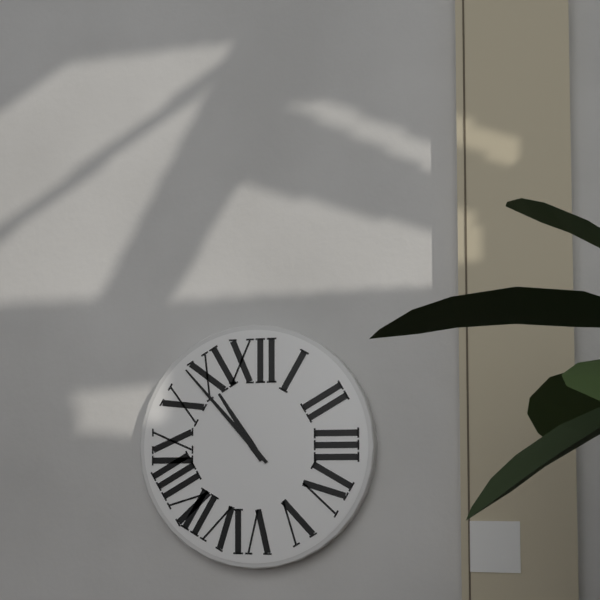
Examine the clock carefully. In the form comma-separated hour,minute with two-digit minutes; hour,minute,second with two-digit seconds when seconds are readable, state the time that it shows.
10,53
